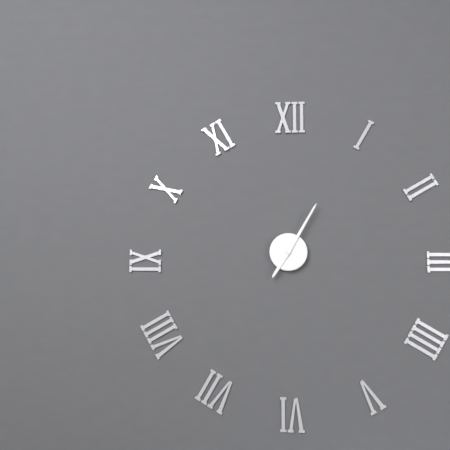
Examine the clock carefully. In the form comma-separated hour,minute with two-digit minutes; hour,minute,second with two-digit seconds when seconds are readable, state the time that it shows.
7,05
